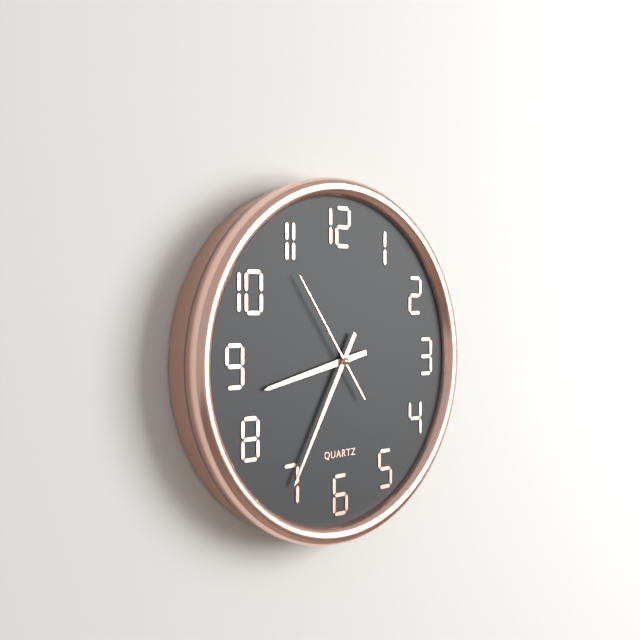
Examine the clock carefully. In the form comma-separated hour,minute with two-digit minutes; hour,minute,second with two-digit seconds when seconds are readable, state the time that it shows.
8,35,54
